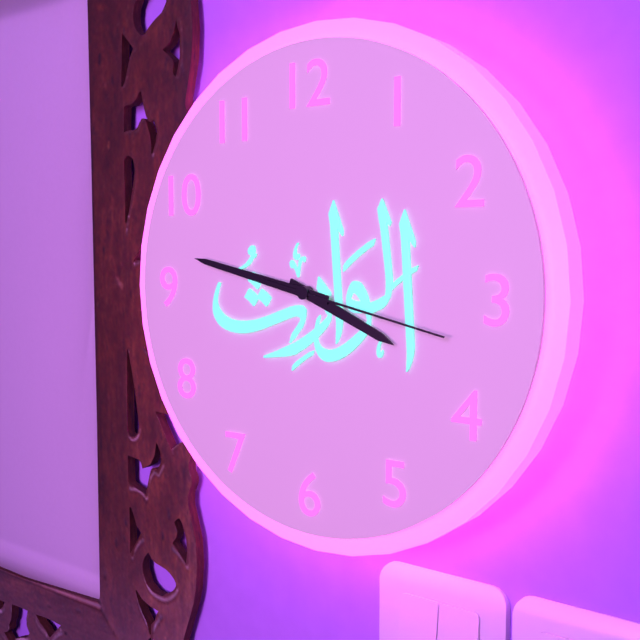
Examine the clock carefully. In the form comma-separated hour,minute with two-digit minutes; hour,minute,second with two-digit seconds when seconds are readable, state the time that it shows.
3,47,17
